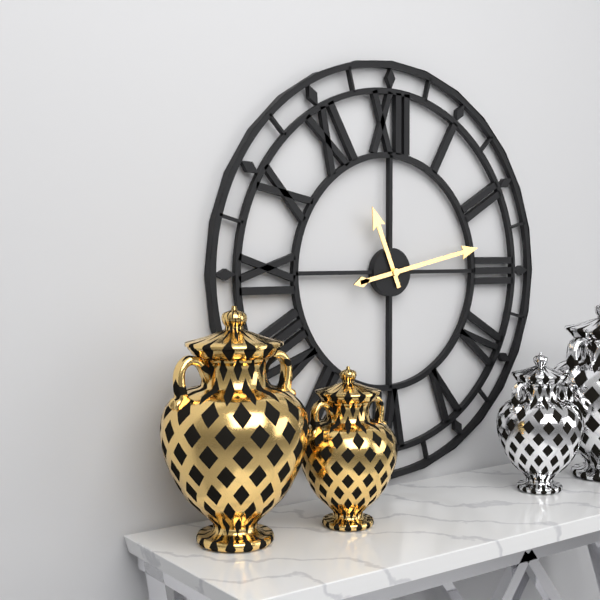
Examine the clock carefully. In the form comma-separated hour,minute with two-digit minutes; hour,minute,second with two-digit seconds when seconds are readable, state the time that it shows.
11,13
